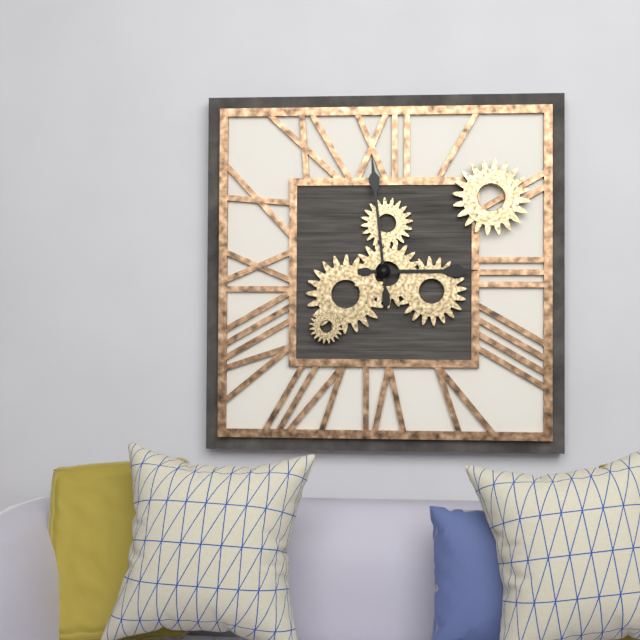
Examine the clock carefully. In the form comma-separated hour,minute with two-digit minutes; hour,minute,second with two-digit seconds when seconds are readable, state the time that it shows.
2,59
